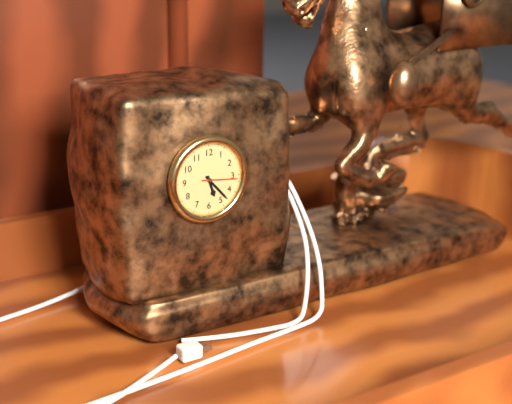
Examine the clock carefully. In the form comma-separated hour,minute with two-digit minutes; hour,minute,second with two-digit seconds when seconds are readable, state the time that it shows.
5,23
